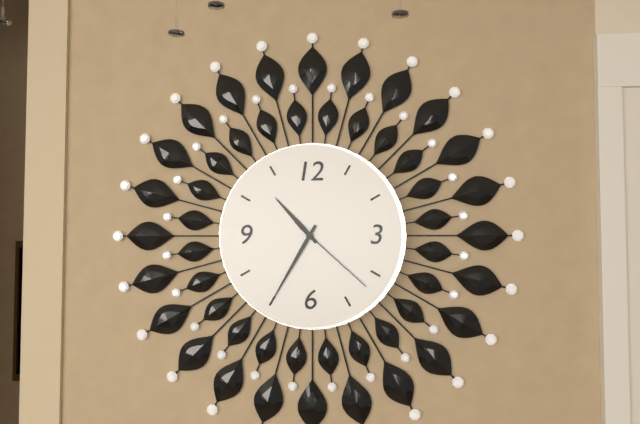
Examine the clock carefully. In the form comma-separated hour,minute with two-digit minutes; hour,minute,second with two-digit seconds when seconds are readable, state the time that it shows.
10,35,22
